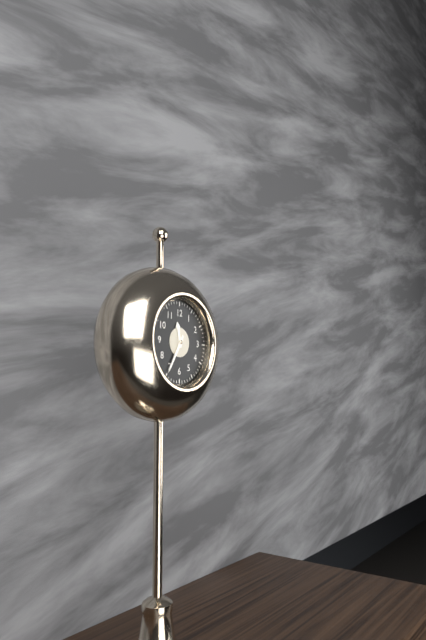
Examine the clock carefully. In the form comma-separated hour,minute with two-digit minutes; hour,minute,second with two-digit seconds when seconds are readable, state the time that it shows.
11,35
